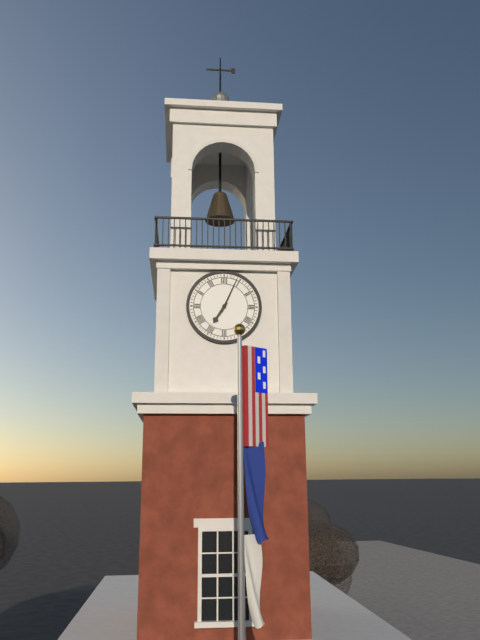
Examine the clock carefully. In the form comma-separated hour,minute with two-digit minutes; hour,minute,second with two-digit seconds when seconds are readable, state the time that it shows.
7,04
